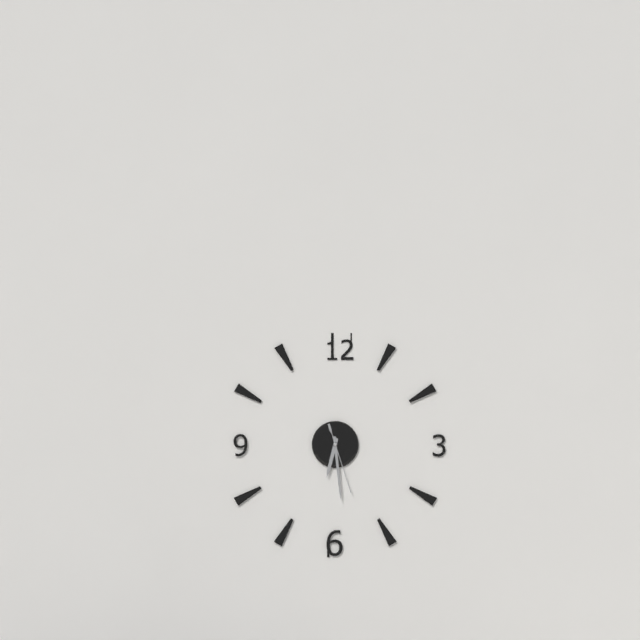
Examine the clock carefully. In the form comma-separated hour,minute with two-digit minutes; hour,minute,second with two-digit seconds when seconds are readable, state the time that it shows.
6,29,27
